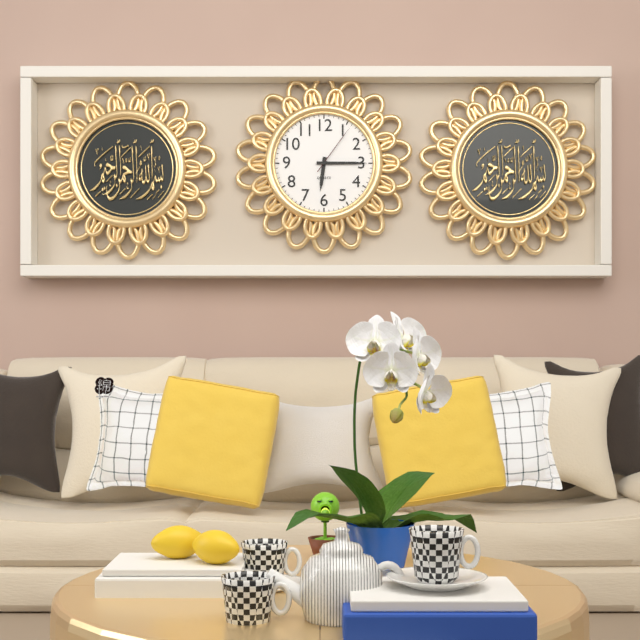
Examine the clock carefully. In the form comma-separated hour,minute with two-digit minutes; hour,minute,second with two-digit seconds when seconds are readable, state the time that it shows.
6,15,06
